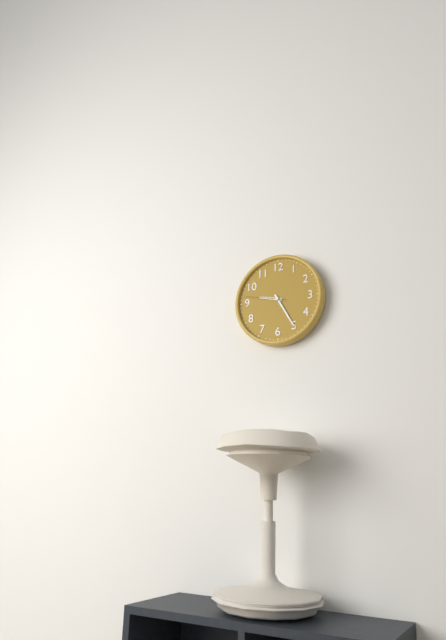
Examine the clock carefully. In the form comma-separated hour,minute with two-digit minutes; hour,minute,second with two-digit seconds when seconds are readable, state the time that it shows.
9,25
